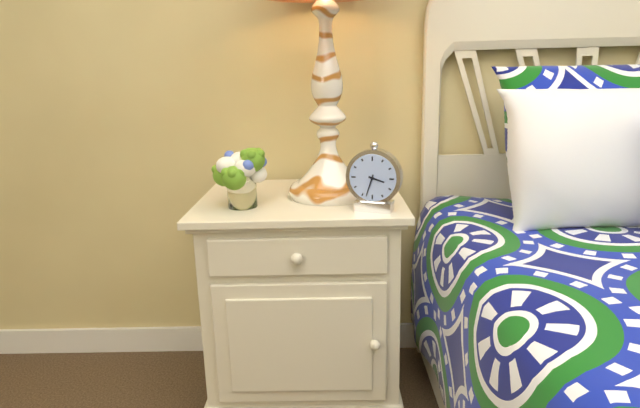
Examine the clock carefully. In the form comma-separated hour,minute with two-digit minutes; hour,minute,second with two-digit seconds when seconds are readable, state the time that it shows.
3,33
